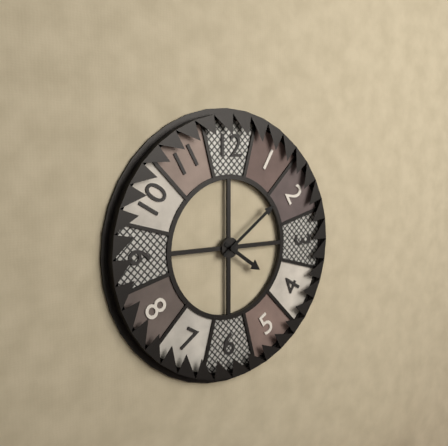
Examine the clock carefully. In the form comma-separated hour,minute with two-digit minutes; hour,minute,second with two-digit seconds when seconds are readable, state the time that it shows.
4,09
